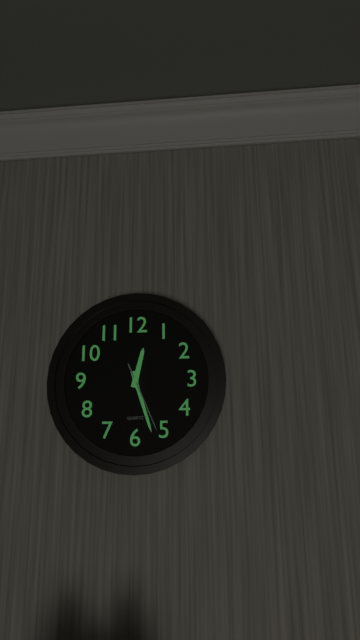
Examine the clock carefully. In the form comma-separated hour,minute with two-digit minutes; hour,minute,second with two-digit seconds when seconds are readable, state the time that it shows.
12,27,26
